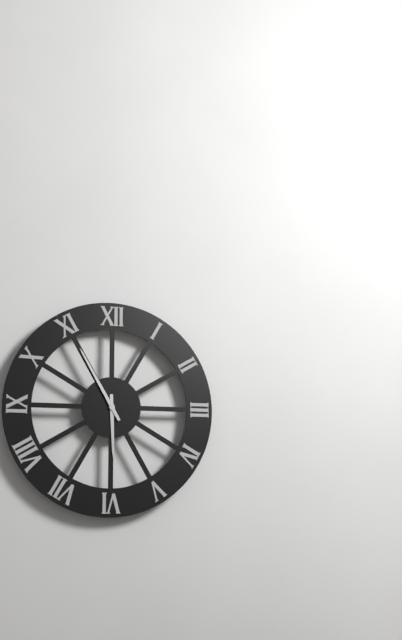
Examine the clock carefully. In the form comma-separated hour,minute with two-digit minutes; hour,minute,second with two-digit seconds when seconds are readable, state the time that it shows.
5,55
